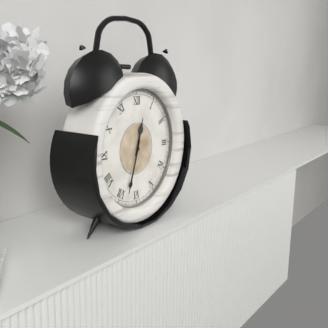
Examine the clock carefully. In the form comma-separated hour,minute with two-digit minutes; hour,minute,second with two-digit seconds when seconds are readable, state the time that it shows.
12,33
